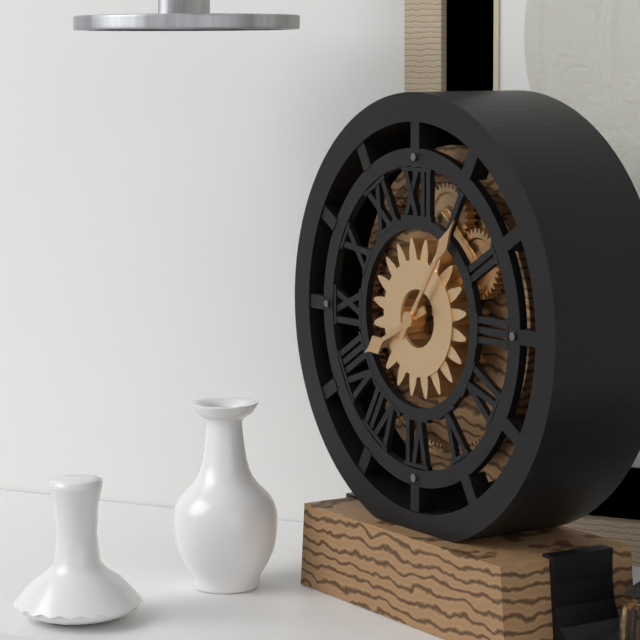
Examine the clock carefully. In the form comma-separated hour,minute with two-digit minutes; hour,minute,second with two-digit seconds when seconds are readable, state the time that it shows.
8,06
